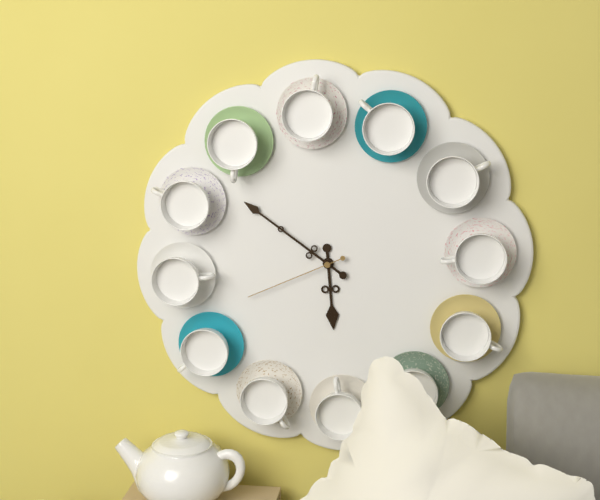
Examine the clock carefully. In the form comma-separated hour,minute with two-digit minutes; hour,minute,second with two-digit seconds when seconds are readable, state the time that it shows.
5,51,41
